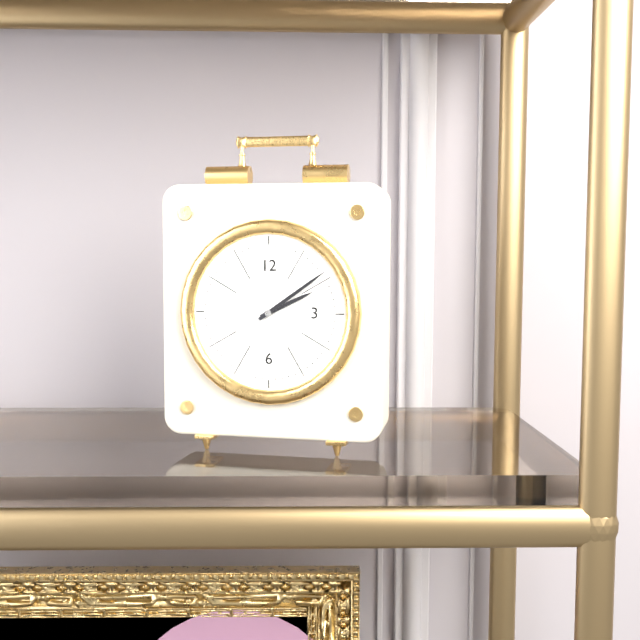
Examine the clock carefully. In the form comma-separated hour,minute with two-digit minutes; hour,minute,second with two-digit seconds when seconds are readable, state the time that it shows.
2,09
